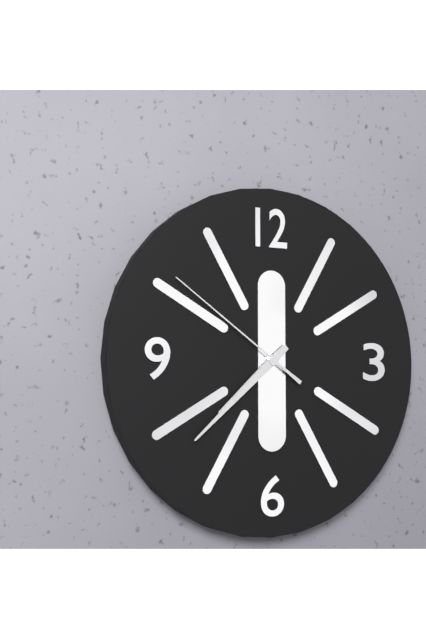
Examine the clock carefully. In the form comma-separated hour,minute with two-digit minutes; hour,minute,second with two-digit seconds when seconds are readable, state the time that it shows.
7,38,51
